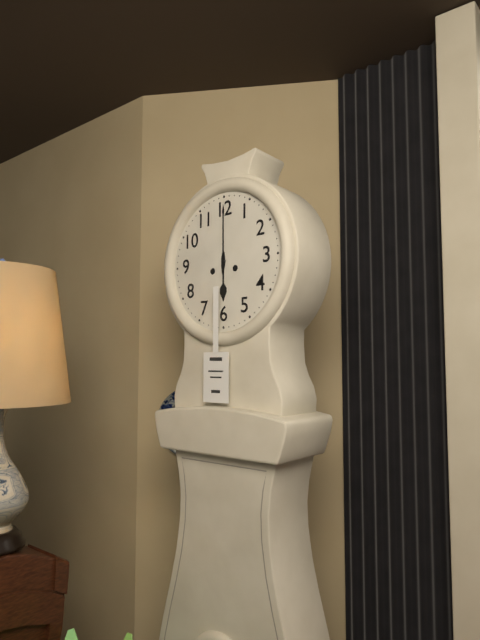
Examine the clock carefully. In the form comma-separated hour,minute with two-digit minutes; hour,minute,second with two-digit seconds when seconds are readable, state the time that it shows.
6,00
